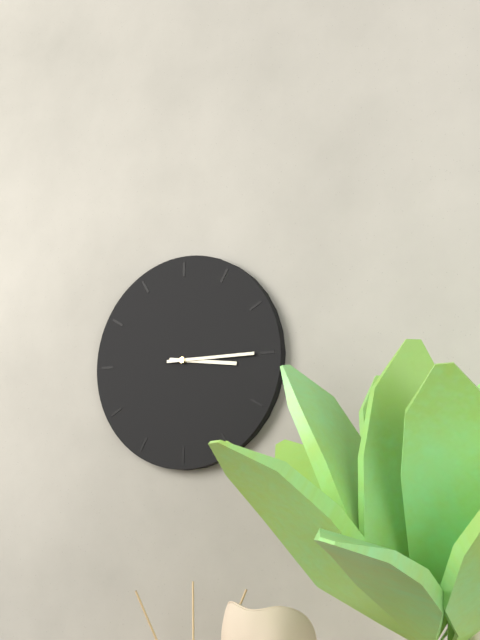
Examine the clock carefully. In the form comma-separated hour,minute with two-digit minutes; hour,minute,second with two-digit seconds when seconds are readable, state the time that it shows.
3,15
